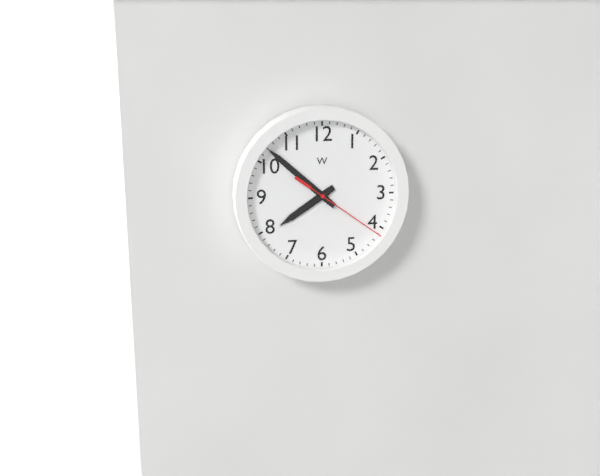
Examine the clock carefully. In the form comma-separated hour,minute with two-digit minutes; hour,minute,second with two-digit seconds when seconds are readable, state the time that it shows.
7,52,21
